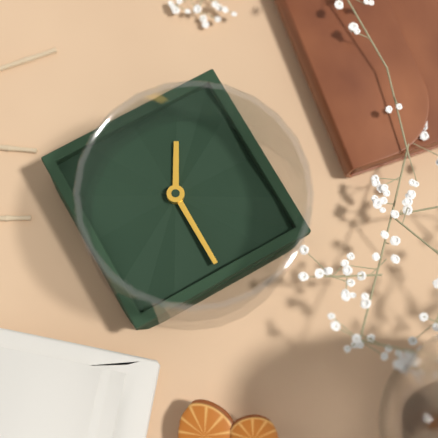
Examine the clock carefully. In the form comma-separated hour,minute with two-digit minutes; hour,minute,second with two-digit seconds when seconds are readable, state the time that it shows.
7,00
